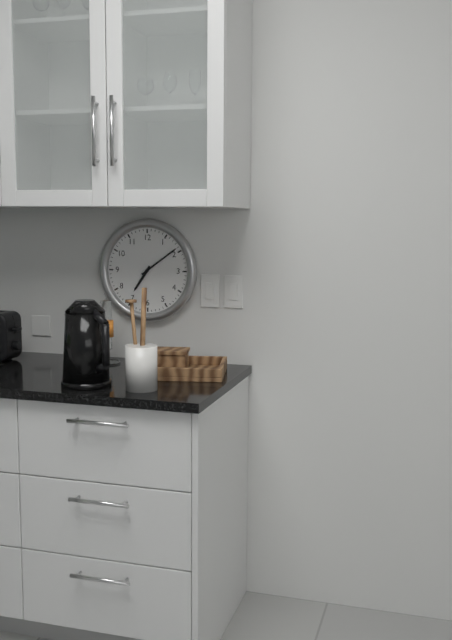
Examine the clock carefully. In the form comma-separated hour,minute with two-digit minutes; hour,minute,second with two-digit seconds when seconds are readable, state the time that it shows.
7,09
